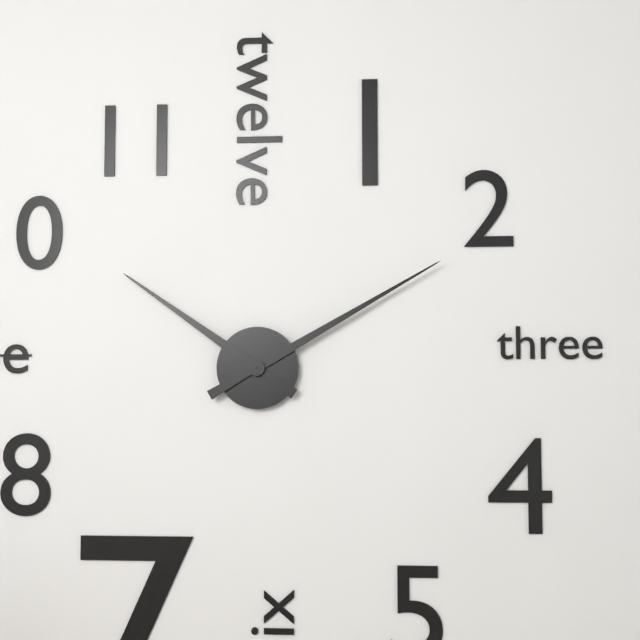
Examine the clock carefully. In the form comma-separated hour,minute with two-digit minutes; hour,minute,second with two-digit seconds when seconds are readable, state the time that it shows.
10,10
